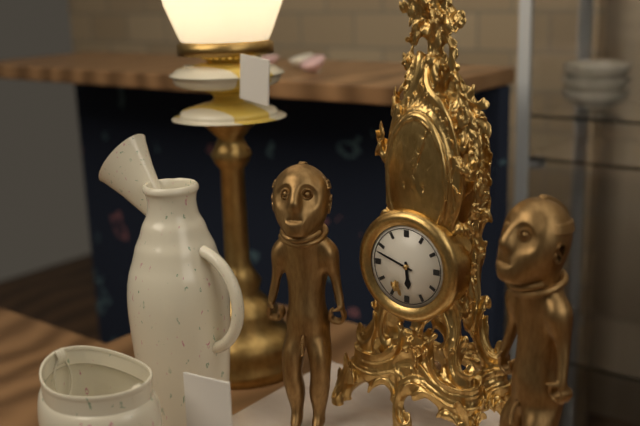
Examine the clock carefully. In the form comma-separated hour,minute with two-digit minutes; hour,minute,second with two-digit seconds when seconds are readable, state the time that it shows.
5,48
